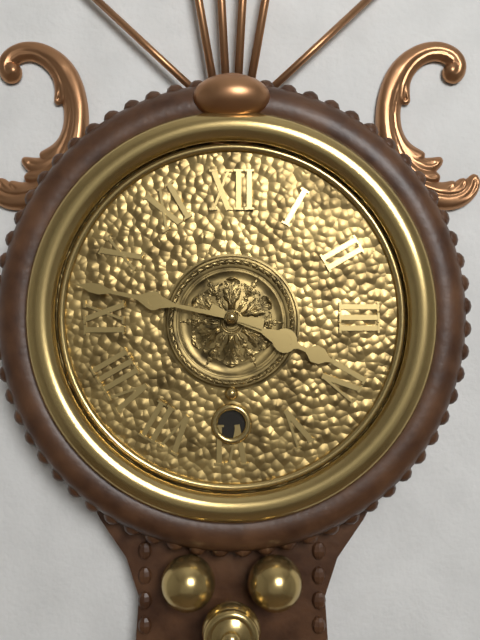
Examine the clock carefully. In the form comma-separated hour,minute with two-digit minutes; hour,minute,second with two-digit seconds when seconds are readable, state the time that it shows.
3,47
